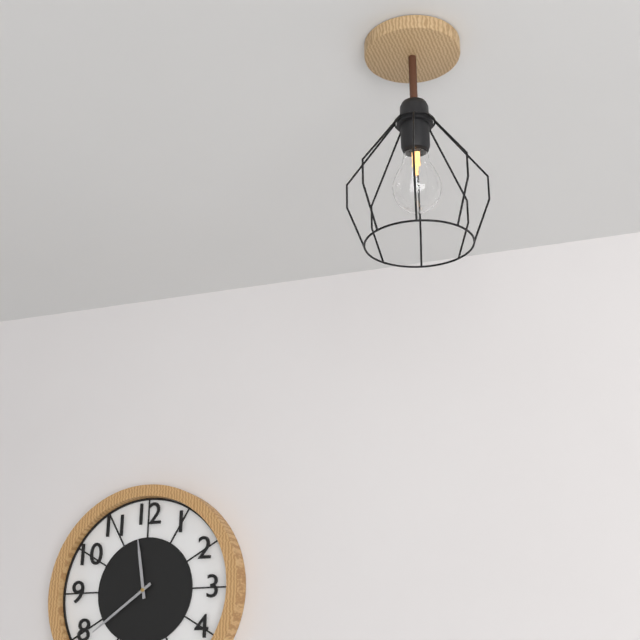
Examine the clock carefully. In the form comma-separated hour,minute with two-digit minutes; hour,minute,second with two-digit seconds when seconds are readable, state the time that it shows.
11,39
